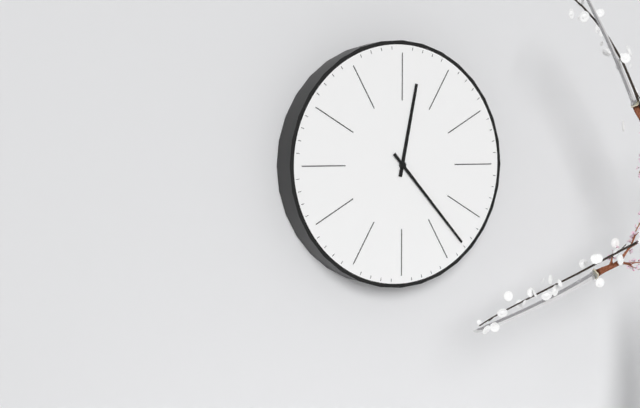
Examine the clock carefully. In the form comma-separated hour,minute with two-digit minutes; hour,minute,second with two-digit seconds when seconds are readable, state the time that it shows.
12,23
